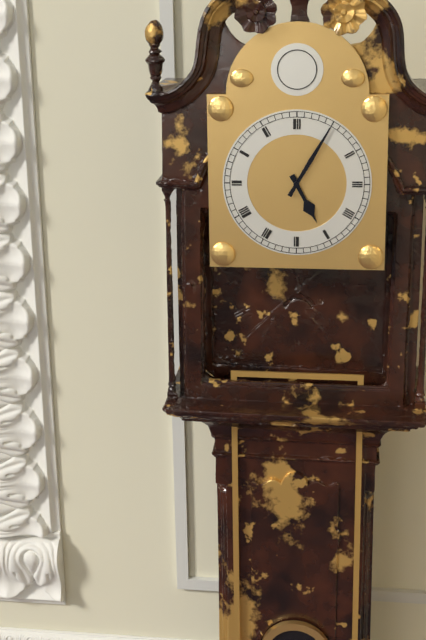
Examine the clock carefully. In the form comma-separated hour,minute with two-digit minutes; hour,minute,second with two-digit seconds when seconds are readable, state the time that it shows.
5,05
